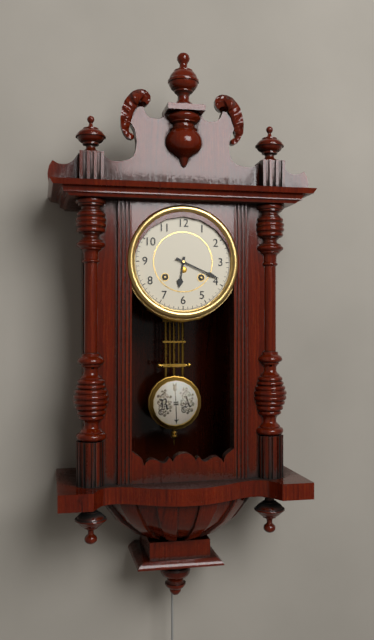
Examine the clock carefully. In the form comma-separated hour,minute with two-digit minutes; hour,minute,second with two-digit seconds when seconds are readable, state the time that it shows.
6,19
